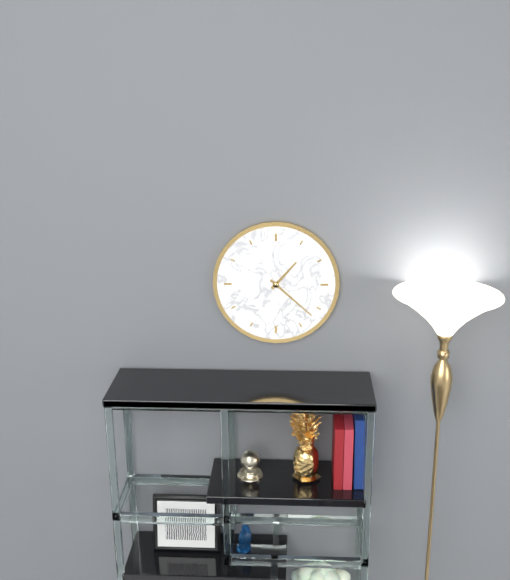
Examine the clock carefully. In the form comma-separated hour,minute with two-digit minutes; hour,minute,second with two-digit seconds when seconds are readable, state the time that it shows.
1,22
